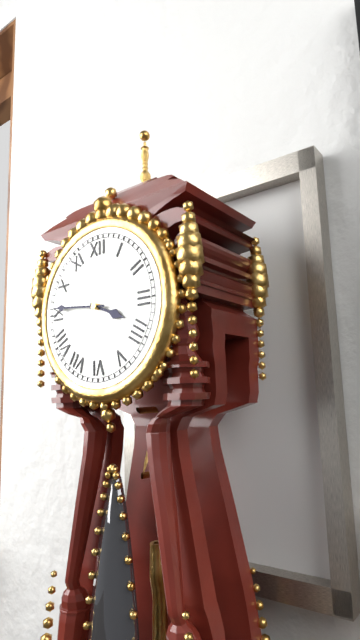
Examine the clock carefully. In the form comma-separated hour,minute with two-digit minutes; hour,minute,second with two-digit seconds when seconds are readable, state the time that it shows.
3,46
